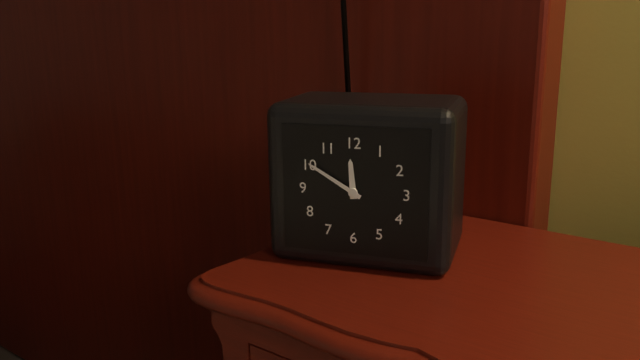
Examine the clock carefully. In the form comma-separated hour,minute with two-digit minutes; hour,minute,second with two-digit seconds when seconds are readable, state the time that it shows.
11,50
